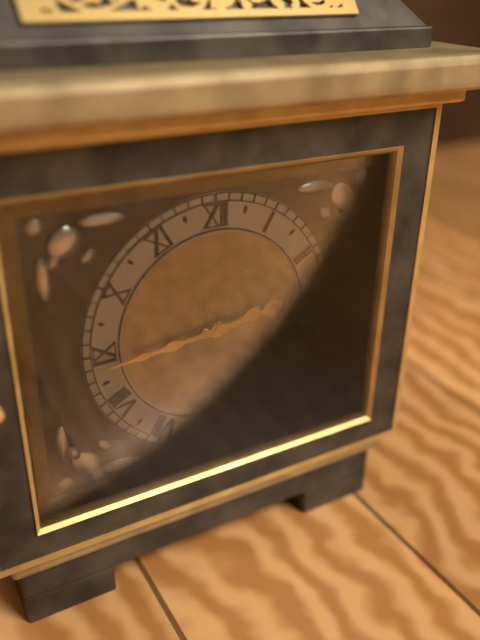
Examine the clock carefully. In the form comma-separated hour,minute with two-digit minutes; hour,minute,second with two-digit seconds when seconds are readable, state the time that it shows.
2,44
